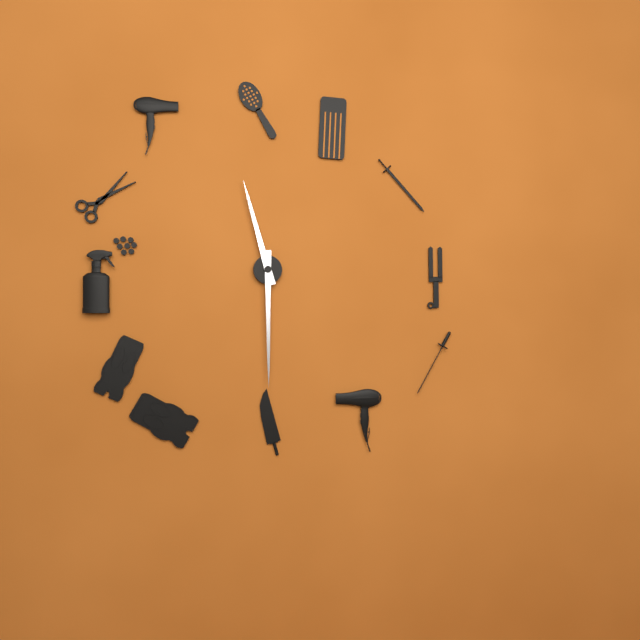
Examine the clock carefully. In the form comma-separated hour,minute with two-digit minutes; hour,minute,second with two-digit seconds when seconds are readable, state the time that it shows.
11,30
